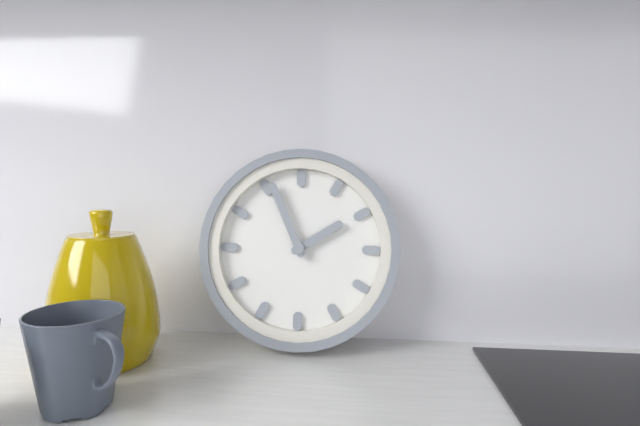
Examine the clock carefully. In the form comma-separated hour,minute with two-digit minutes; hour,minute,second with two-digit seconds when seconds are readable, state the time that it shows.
1,56
